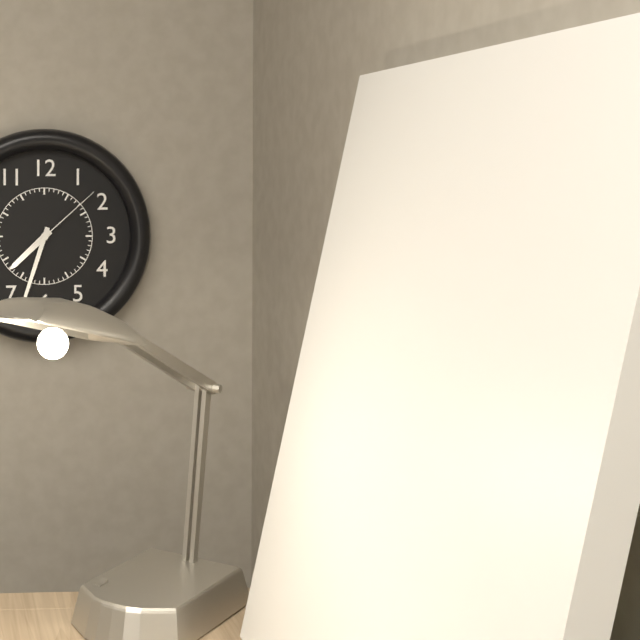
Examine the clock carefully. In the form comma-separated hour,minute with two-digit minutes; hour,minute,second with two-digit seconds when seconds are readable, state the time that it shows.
7,33,08
